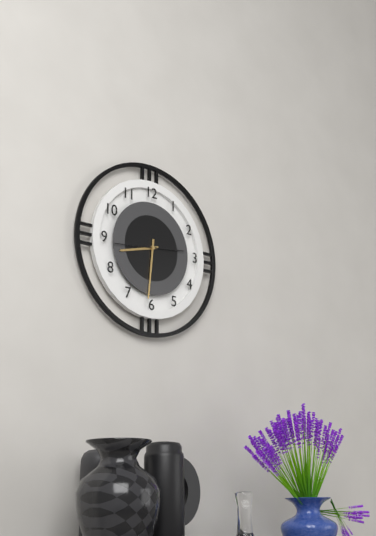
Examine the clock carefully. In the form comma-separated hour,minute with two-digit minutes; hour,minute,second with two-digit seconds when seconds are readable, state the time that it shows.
8,31
